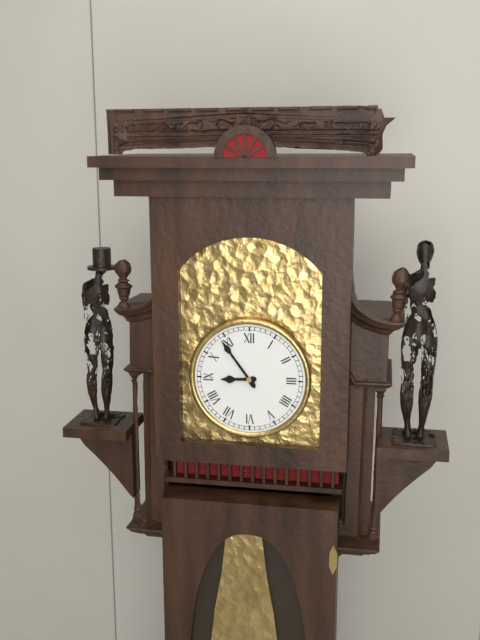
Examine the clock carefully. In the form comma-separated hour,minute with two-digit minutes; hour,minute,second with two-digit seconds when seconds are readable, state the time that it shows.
8,54
